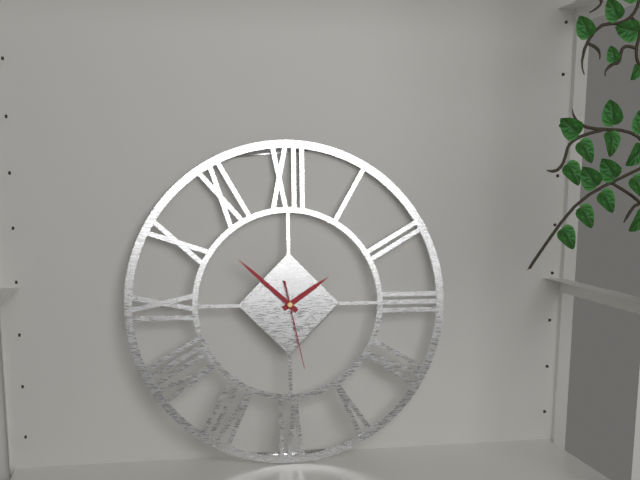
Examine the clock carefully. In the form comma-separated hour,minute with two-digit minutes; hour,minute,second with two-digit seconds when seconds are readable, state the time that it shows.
1,52,28
